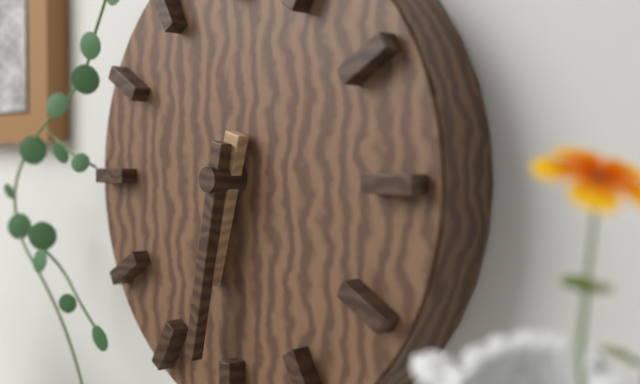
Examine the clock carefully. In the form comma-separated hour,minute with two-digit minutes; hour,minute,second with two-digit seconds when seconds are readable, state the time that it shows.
6,32
